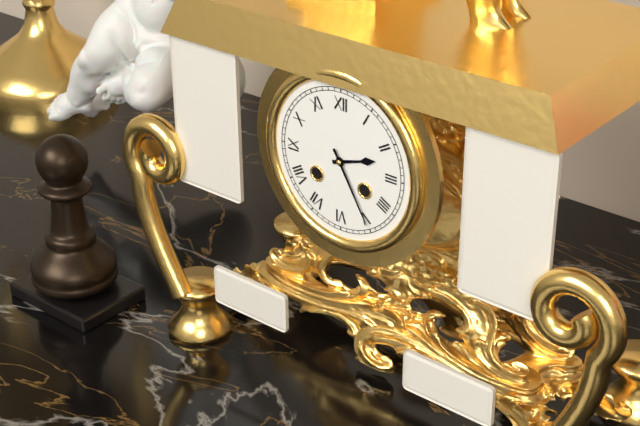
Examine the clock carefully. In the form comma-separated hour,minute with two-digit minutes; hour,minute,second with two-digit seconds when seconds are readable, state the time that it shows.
2,25
